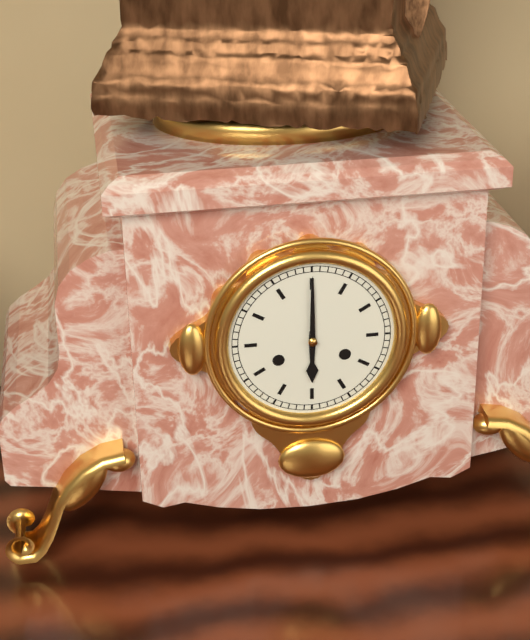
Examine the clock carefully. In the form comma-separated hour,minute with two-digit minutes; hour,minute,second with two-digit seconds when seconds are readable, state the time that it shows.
6,00
